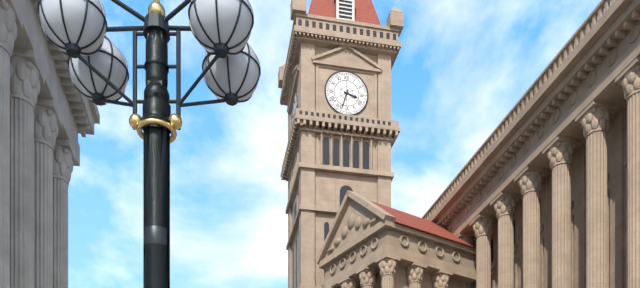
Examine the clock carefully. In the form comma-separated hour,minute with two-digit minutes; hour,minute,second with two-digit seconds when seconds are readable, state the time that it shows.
3,33
